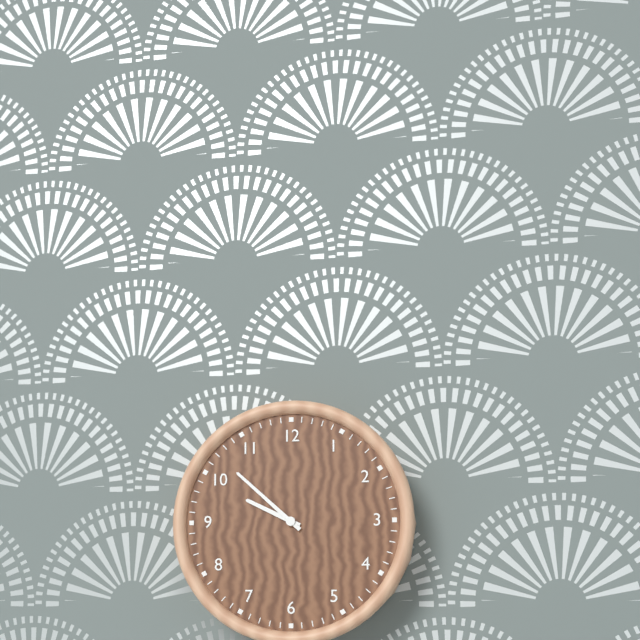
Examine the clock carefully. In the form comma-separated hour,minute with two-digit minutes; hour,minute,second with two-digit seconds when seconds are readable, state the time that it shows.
9,52
